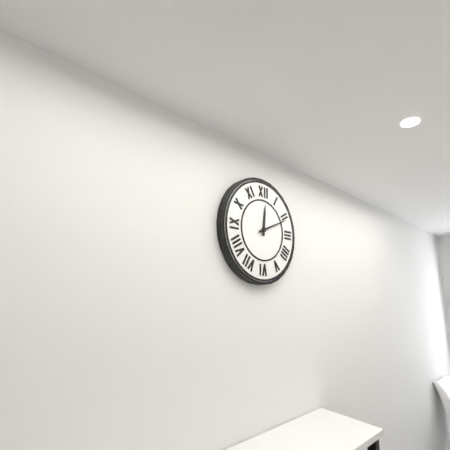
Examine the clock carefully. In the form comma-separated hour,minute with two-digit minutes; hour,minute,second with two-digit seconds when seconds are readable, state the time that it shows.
12,11
